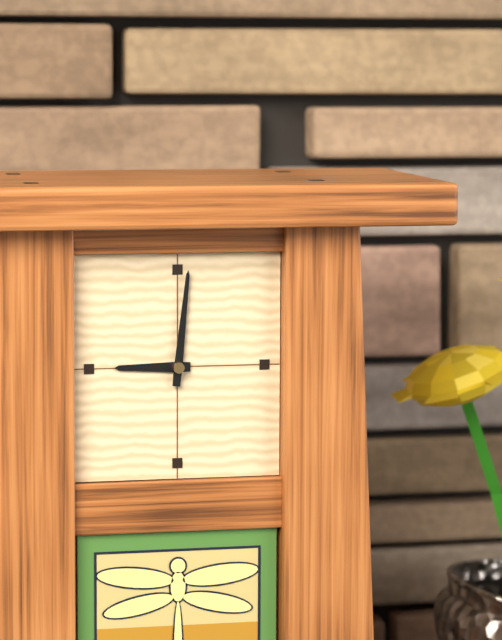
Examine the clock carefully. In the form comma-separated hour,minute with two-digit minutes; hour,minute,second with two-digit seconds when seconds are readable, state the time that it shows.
9,01
